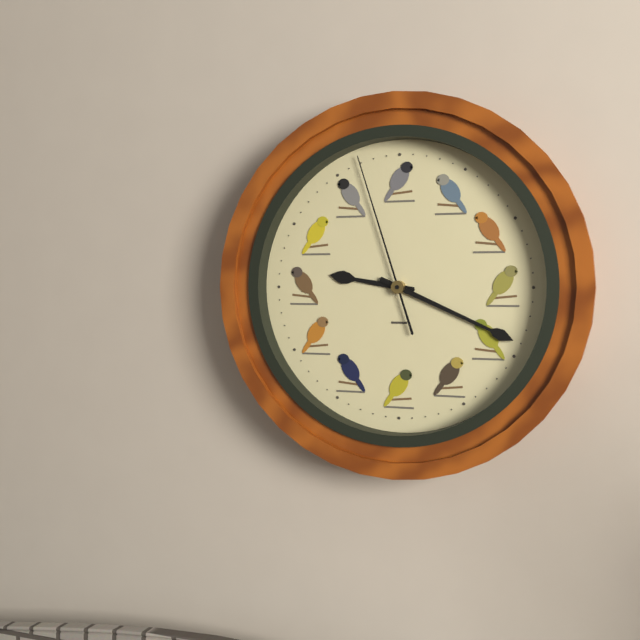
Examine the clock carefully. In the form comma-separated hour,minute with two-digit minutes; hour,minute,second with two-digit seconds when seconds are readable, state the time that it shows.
9,19,57
